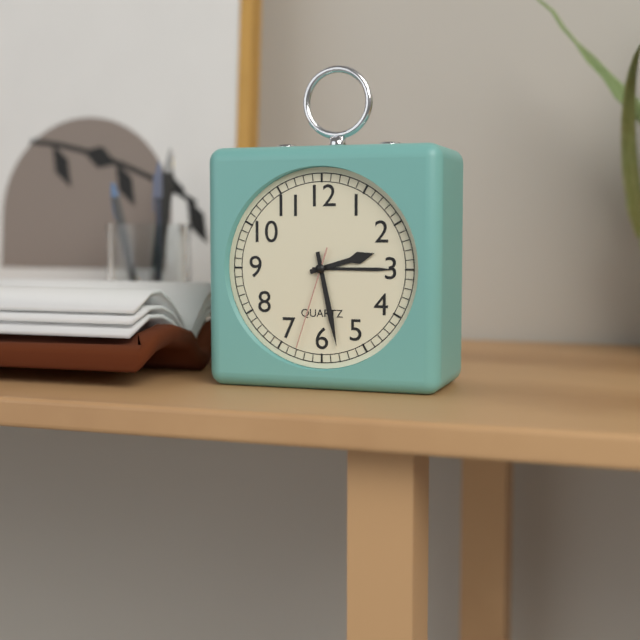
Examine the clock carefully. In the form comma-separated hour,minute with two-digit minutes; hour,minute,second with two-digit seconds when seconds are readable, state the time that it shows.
2,28,33
